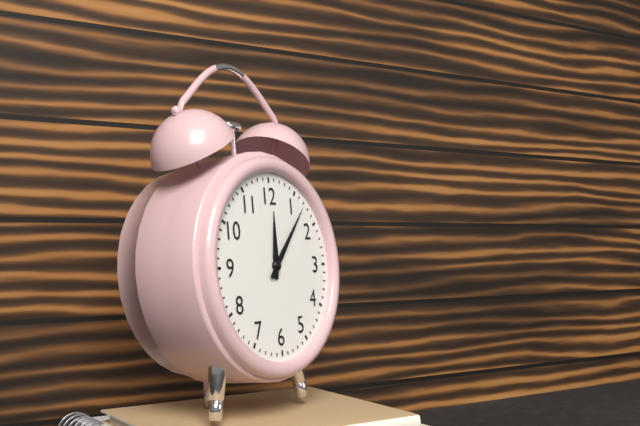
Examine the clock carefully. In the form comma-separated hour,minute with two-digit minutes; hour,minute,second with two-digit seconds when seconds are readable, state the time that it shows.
12,07
